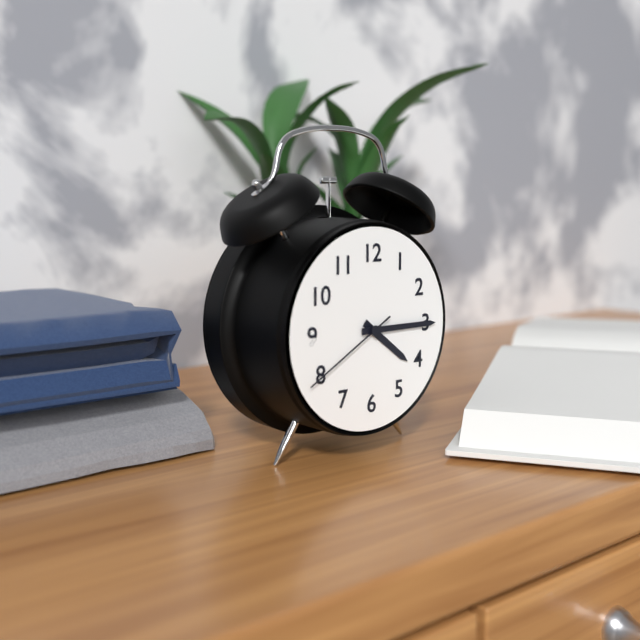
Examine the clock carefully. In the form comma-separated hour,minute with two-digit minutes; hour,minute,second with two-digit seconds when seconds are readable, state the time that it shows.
4,15,40
